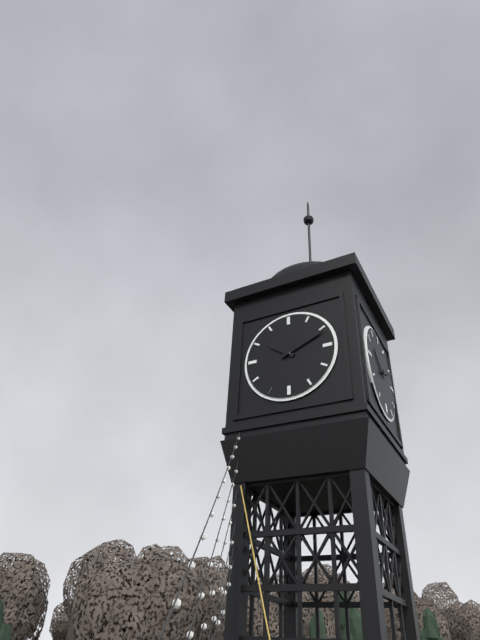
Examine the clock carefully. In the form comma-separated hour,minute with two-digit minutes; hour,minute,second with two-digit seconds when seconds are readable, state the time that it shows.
10,11
